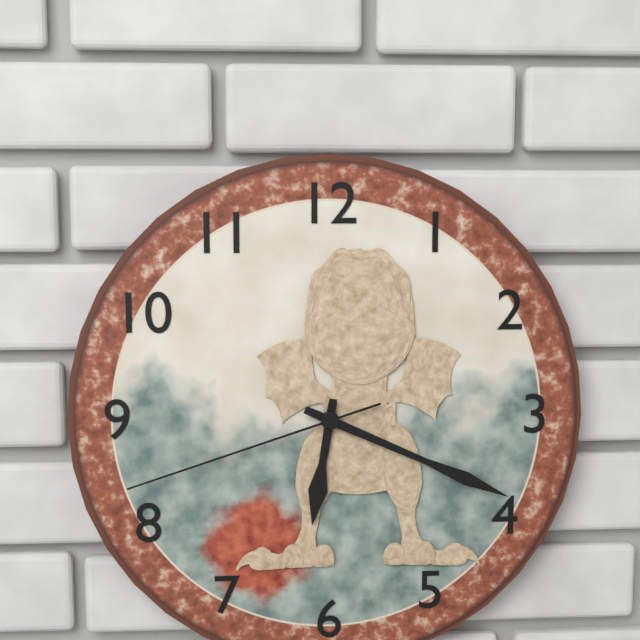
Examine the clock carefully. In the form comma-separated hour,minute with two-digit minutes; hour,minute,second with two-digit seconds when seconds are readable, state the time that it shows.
6,19,42
